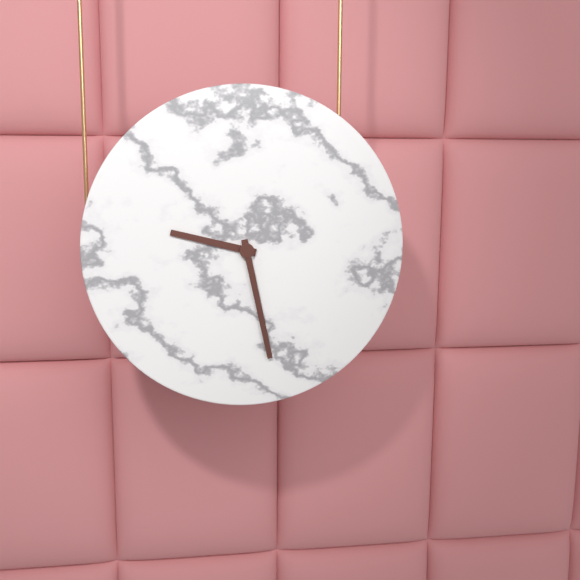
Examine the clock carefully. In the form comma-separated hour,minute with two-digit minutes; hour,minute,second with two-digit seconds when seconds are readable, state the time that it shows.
9,28
